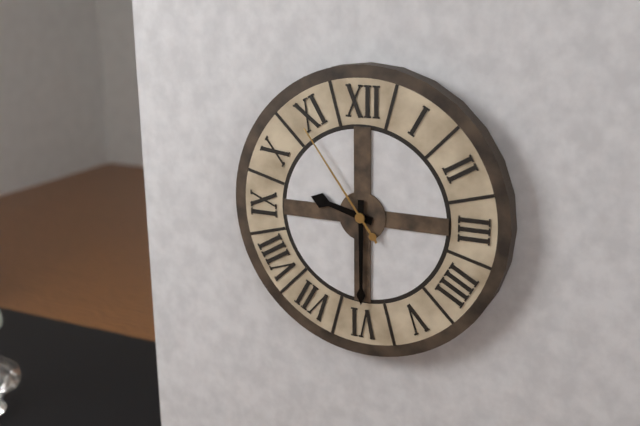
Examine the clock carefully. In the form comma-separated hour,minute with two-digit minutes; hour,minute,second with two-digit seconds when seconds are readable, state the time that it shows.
9,30,54
